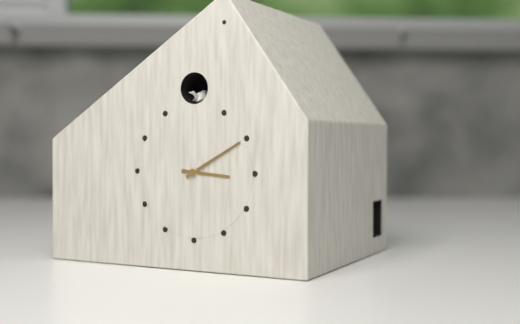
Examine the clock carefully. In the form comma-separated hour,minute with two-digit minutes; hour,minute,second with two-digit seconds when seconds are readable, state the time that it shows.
3,10
